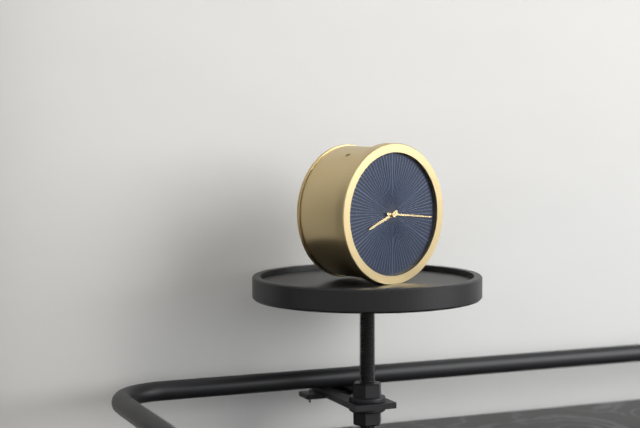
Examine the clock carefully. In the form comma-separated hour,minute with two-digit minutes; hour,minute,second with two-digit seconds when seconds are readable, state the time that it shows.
8,16
